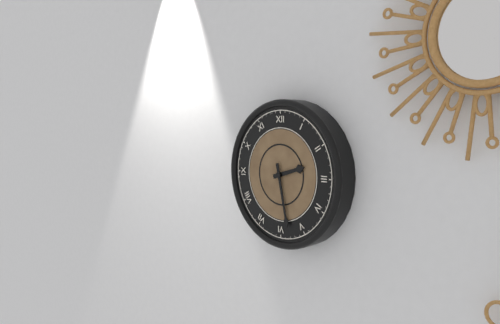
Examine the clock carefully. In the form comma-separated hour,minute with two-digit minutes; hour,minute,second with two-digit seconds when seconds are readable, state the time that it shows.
2,28
